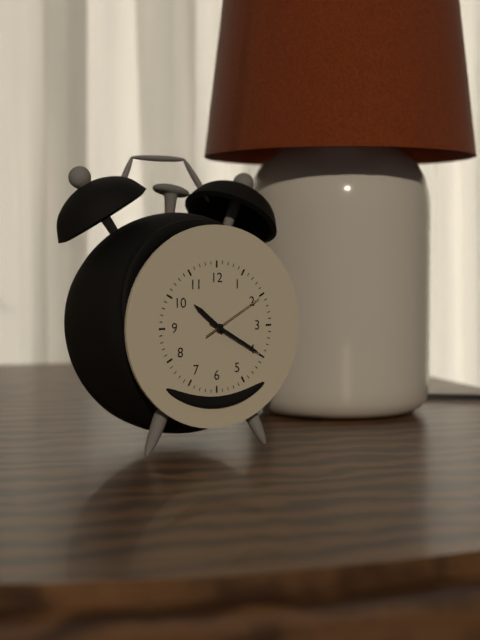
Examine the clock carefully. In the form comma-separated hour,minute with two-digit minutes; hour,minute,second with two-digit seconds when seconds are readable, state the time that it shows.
10,20,10
